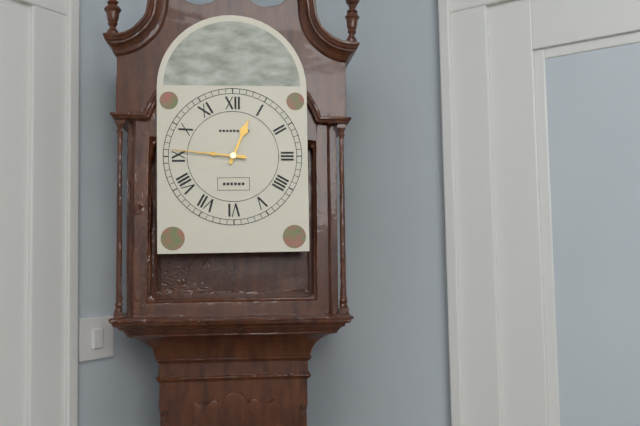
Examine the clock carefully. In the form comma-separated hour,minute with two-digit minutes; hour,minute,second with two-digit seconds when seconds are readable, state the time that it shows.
12,46
